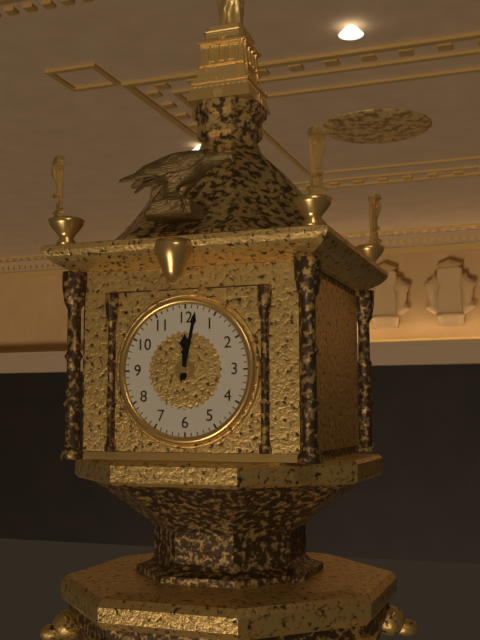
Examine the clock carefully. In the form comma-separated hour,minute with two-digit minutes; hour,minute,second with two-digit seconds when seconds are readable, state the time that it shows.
12,02
